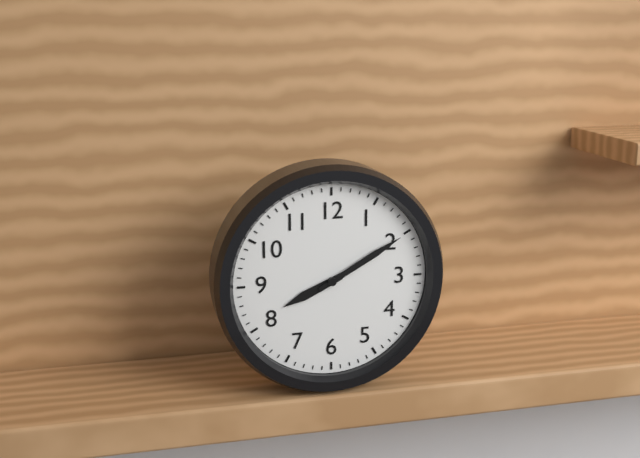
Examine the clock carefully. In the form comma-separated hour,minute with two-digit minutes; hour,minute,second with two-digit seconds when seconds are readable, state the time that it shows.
8,10
